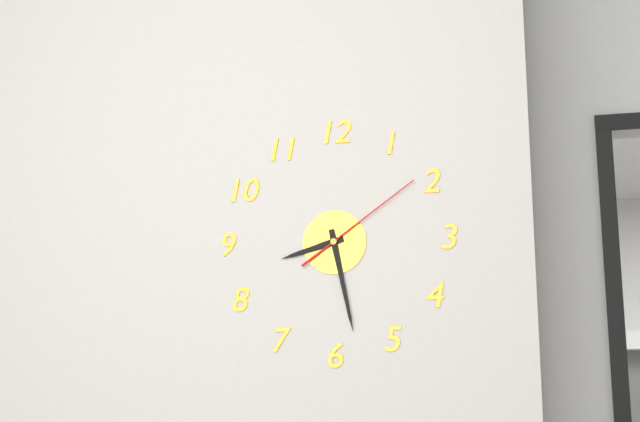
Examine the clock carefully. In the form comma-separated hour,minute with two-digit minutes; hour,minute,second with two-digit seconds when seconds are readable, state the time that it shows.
8,28,09
